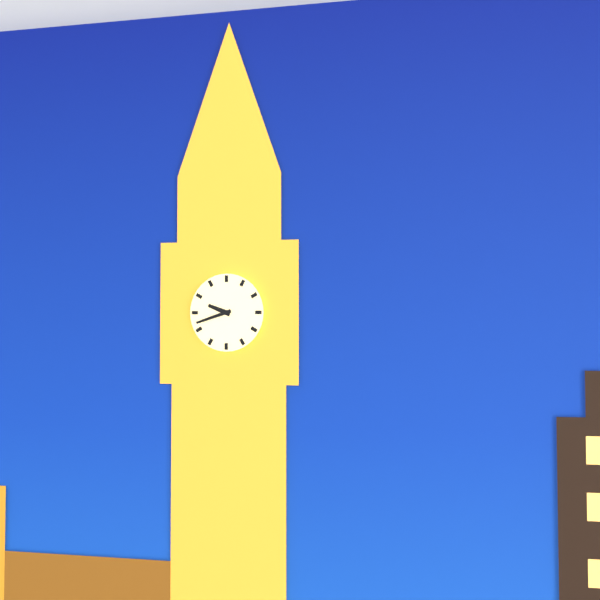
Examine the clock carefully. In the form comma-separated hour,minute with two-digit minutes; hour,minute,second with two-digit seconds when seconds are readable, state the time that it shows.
9,42
